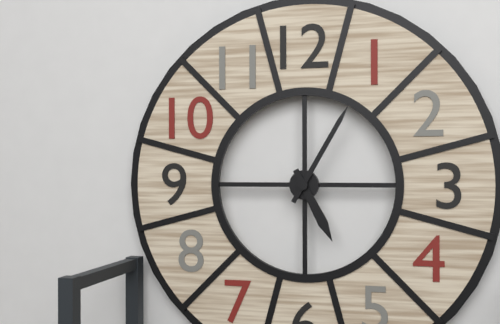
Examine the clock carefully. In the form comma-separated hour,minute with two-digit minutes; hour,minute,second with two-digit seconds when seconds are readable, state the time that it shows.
5,05
